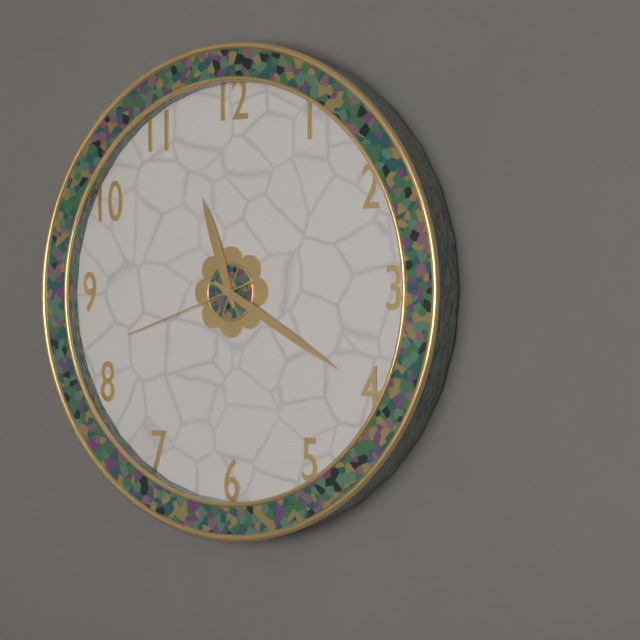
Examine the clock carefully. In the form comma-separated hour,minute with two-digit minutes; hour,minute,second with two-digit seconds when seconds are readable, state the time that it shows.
11,20,42
